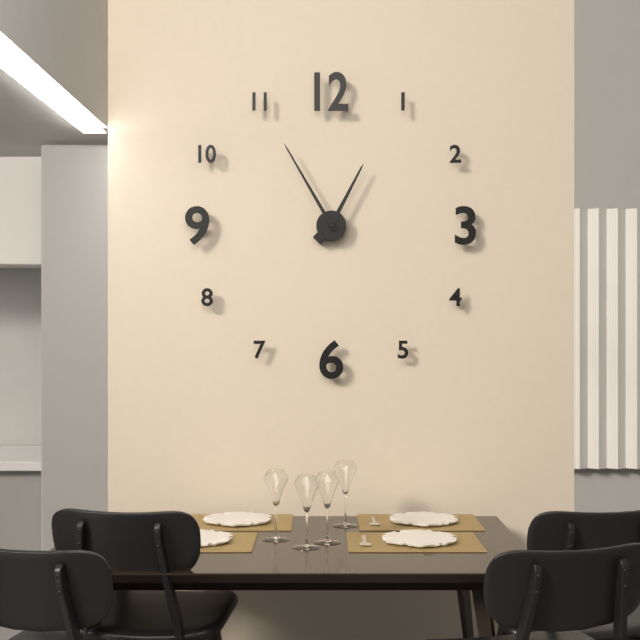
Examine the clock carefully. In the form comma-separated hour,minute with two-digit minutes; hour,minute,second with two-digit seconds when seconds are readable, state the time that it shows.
12,55
